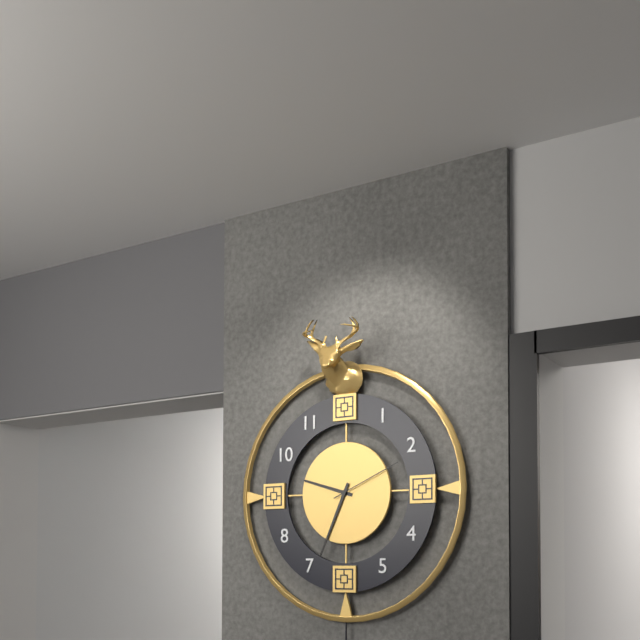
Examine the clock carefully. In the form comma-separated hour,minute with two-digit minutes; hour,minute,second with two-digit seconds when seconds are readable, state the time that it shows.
9,34,11
